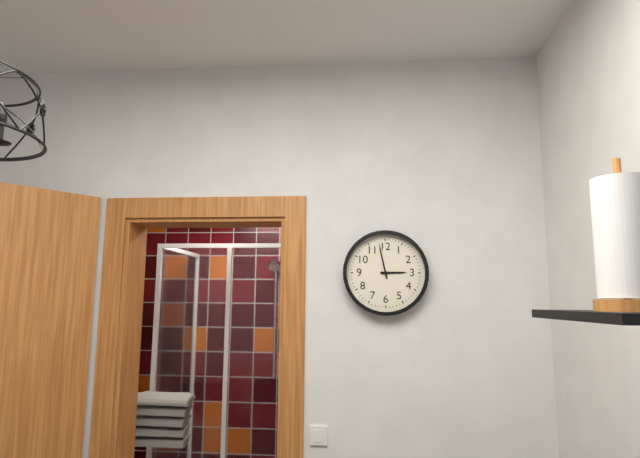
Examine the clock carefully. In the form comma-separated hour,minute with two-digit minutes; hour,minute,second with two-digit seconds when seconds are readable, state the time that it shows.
2,58
